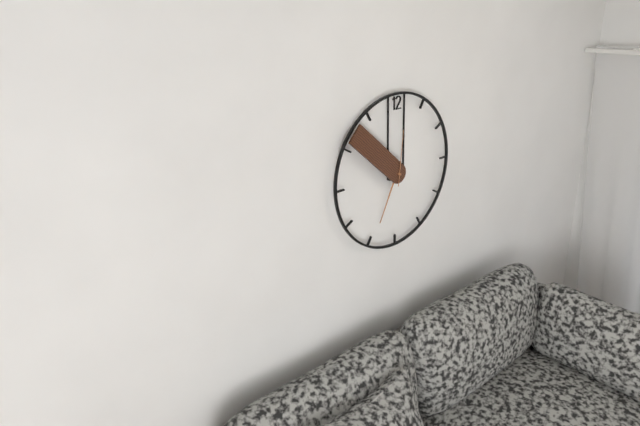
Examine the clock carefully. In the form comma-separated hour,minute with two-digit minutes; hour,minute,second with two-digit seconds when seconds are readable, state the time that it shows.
6,52,01
